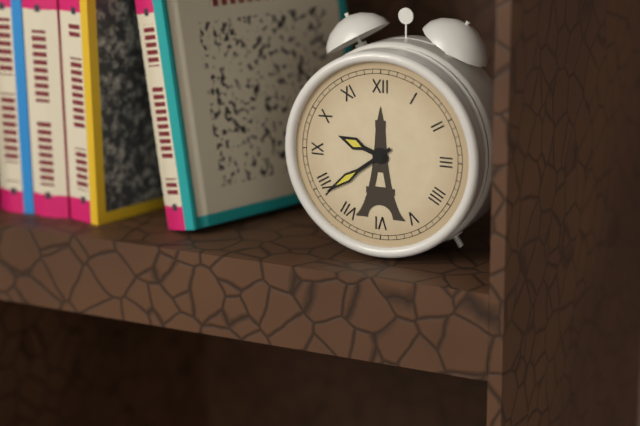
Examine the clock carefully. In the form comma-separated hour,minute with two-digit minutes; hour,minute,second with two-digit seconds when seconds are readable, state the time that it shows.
9,39
